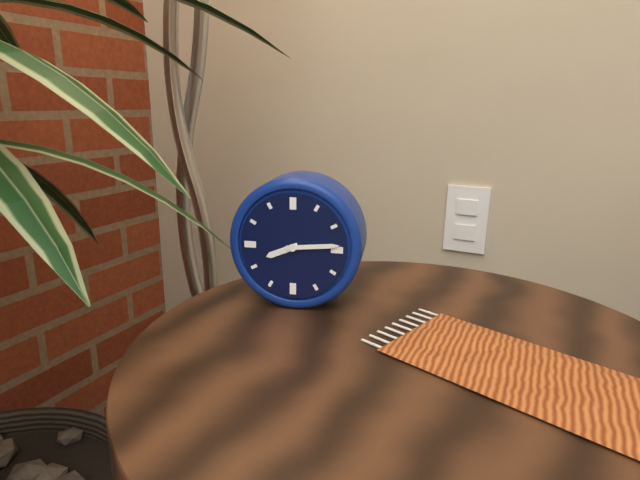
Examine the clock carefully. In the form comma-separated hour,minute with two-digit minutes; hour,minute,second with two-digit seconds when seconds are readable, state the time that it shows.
8,14
